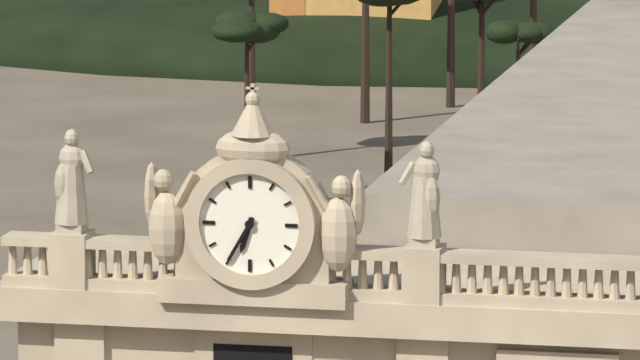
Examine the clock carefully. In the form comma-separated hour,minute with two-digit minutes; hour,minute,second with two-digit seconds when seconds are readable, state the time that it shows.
6,35
